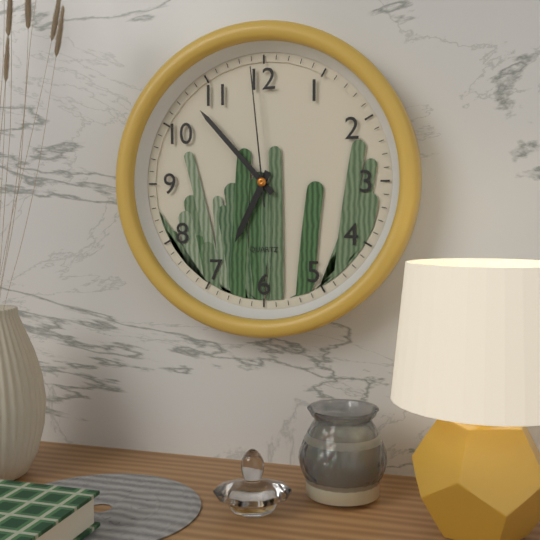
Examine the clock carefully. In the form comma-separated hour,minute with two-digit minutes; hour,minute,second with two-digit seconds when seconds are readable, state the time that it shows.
6,53,59
